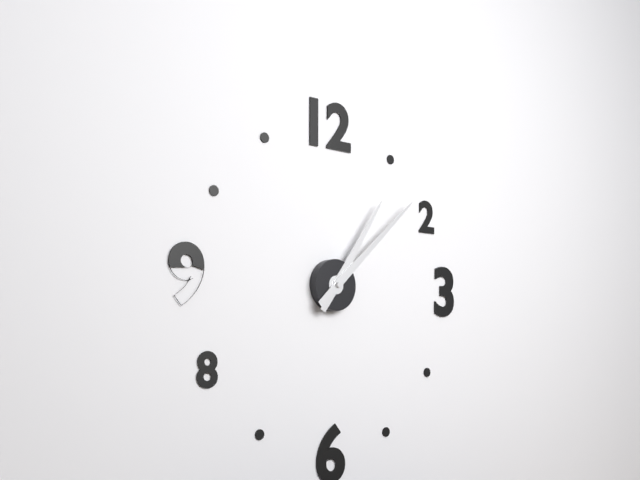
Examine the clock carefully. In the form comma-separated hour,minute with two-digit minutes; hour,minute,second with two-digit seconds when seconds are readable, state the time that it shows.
1,08
